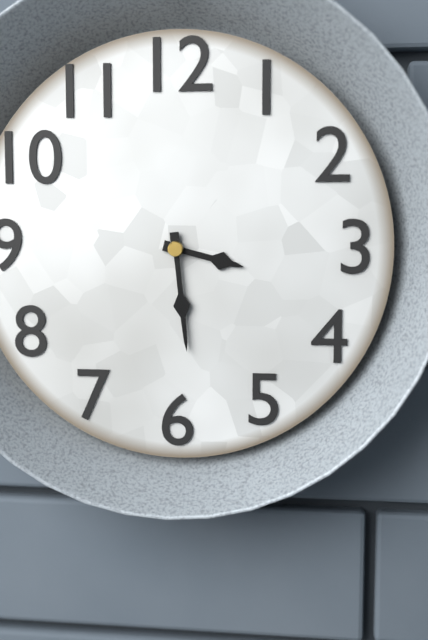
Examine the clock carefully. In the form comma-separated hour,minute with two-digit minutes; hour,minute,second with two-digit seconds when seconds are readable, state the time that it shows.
3,29
